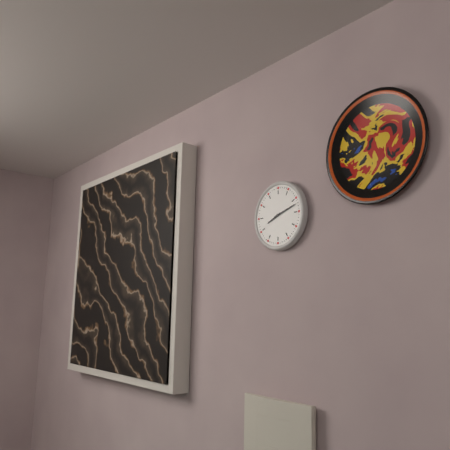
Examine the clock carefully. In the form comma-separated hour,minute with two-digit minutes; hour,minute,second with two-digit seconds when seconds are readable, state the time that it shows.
8,12
